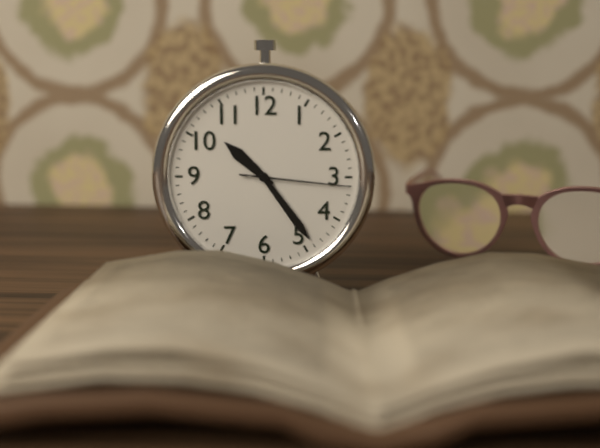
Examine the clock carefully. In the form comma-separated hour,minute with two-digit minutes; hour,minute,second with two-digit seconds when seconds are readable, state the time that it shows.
10,24,16
